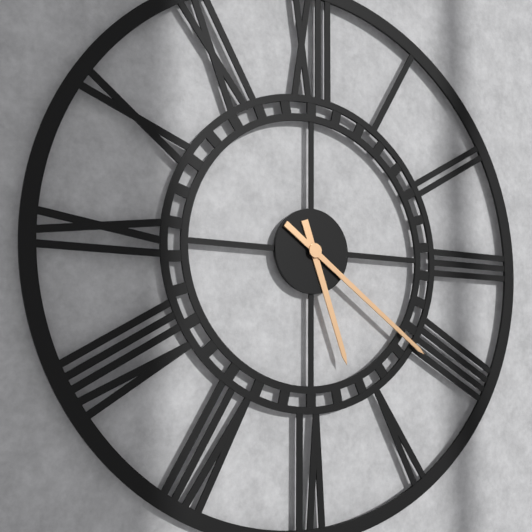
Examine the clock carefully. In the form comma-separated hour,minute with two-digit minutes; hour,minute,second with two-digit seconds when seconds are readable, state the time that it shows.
5,21
